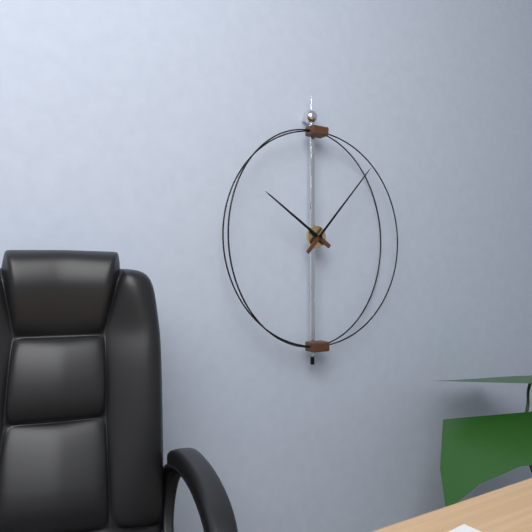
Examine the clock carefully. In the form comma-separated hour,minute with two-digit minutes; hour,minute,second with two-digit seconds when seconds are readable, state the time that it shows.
10,07
